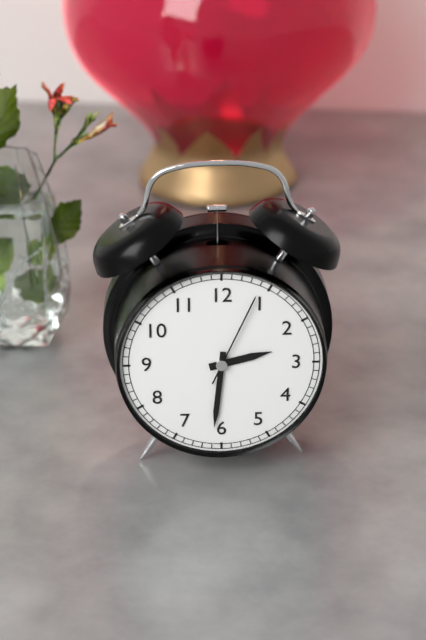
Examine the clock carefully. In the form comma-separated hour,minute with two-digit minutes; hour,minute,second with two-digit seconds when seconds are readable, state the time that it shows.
2,31,04
